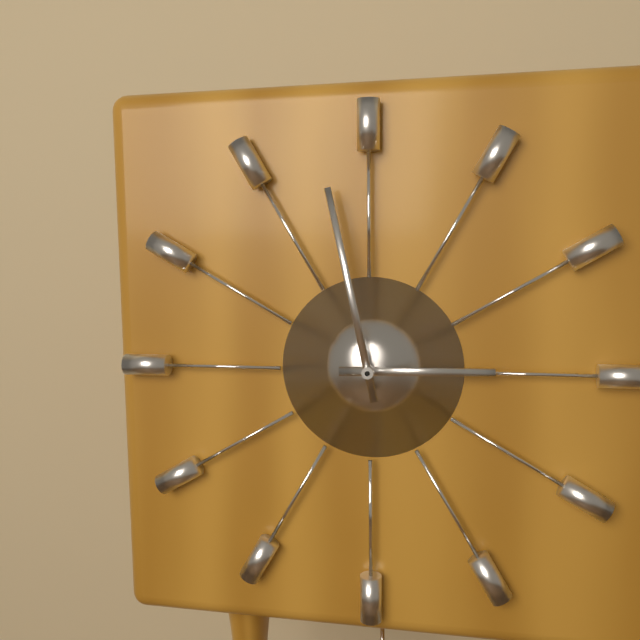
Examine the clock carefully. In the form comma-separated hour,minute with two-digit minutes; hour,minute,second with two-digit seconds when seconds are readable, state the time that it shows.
2,58
